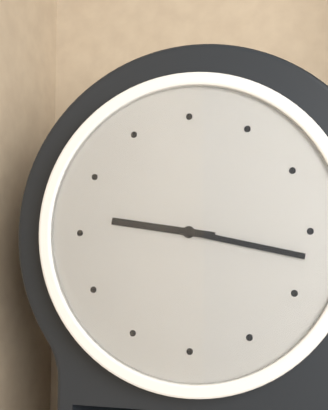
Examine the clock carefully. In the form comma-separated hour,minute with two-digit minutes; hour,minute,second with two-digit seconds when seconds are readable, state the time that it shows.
9,17
